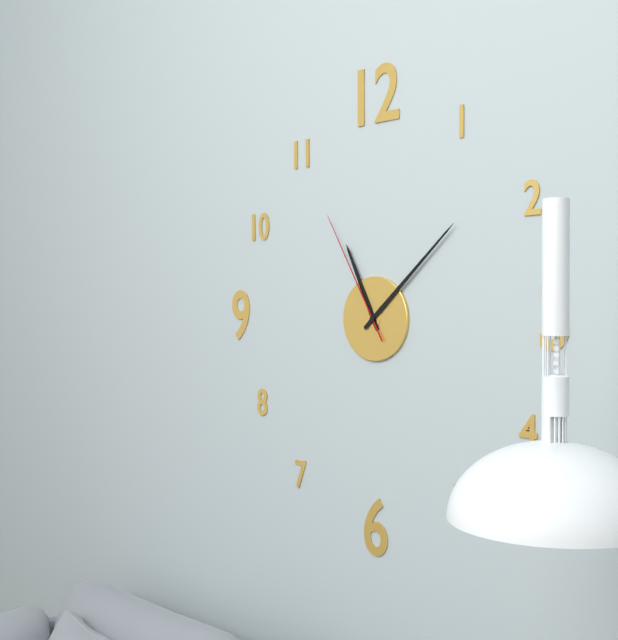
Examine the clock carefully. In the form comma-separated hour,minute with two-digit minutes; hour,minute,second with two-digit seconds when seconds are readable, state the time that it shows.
11,08,55
